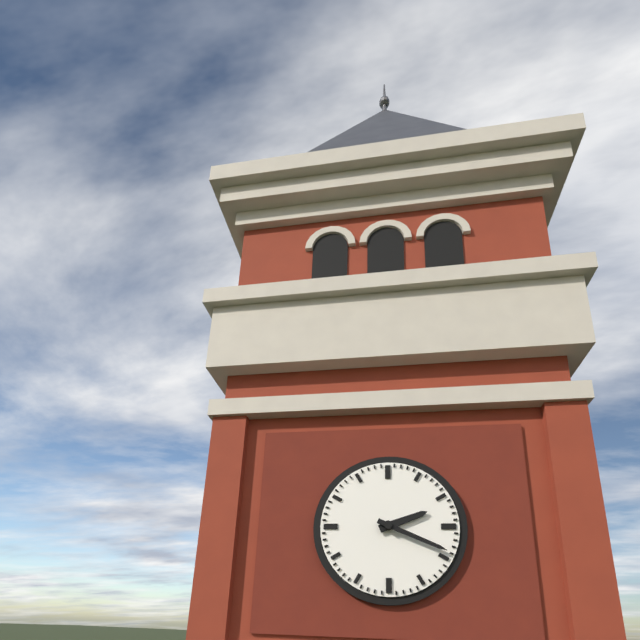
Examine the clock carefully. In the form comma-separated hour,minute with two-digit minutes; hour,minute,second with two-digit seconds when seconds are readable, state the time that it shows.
2,19
